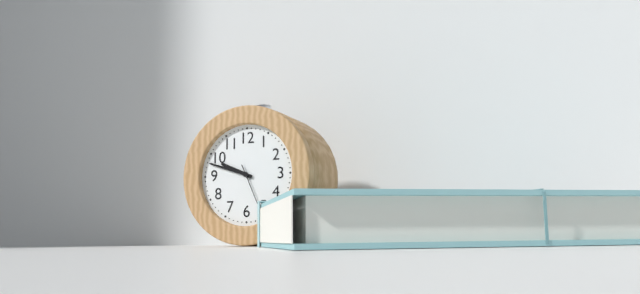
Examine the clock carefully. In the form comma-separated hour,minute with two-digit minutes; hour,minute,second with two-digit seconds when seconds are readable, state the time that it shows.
9,48,26
